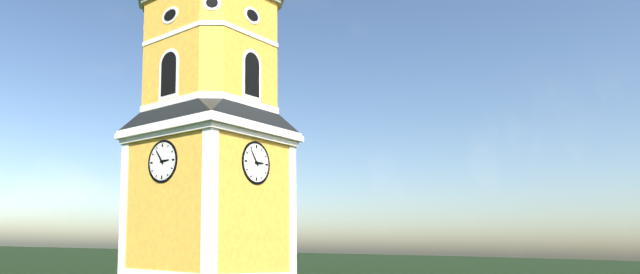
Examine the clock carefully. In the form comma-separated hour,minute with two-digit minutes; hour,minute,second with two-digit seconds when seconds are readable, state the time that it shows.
2,54
